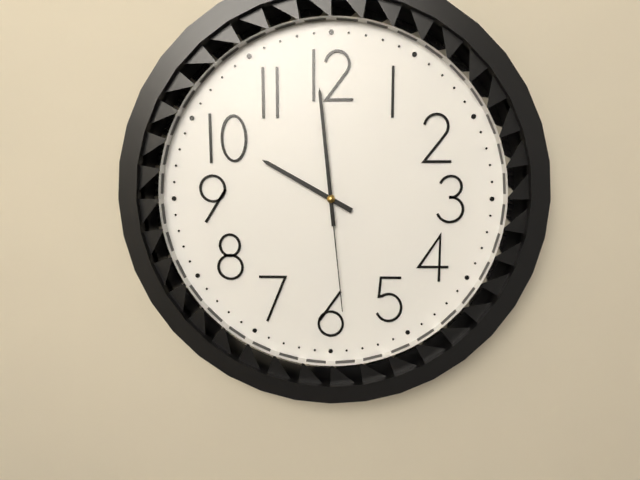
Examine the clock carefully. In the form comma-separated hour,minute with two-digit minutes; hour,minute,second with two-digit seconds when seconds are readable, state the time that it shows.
9,59,29
